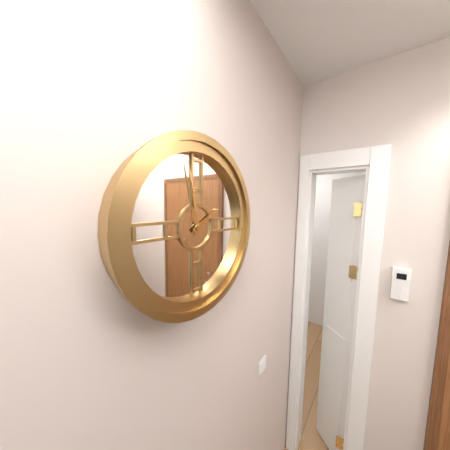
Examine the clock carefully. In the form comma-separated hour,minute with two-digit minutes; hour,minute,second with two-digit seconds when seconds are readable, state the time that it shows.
1,58
